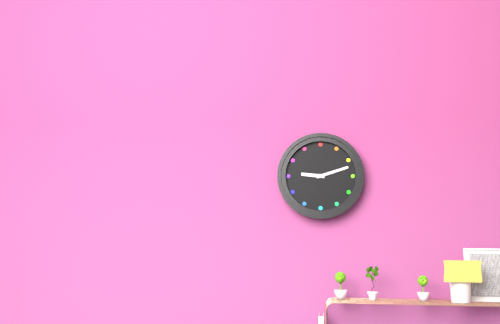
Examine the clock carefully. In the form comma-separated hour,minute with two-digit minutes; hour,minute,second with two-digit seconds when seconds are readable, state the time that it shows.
9,12
